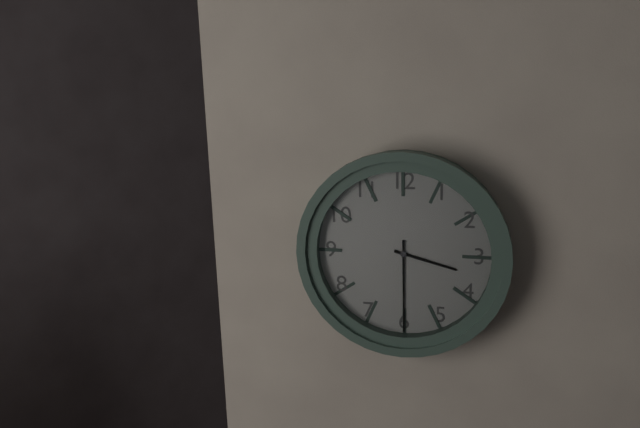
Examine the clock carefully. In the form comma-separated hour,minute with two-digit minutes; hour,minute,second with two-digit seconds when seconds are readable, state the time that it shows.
3,30
